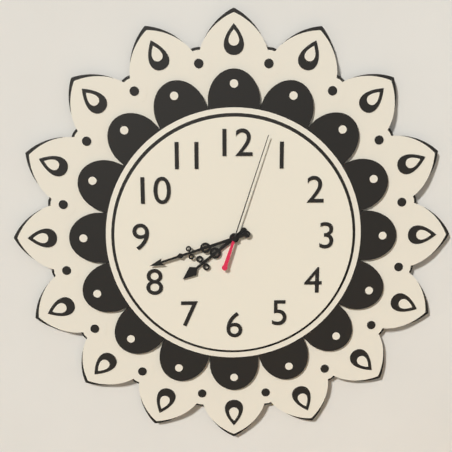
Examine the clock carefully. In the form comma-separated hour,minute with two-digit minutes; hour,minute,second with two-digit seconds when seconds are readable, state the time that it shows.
7,42,03
